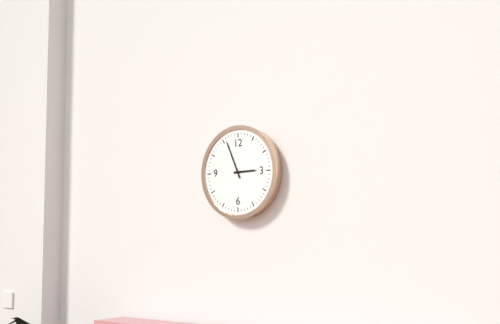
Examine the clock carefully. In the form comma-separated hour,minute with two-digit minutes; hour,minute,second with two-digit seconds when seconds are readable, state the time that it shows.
2,56
